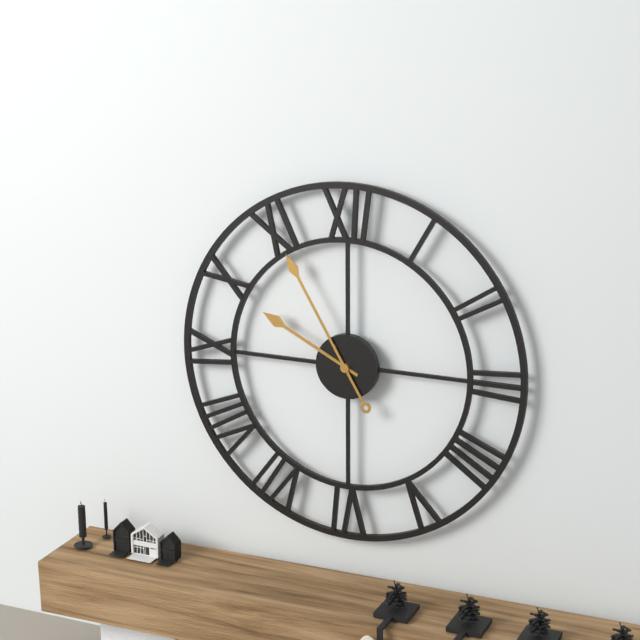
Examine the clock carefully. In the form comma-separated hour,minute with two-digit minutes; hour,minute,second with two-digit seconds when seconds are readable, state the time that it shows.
9,55
